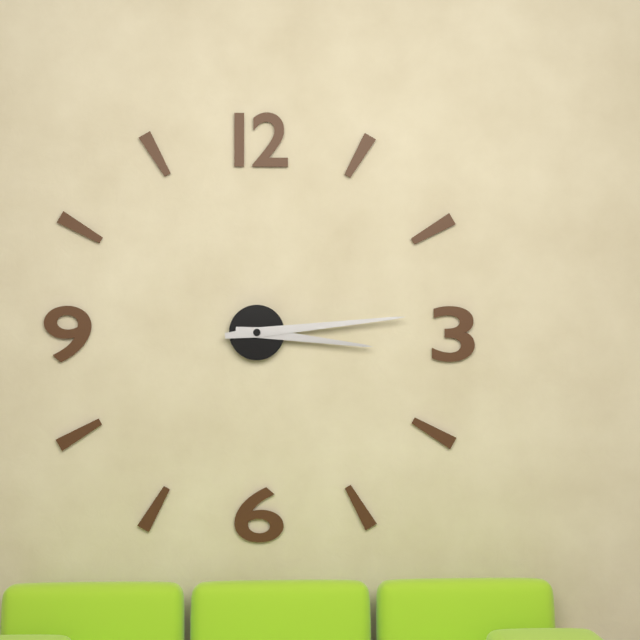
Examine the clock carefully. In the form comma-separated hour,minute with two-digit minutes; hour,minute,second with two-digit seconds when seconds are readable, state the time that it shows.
3,14
